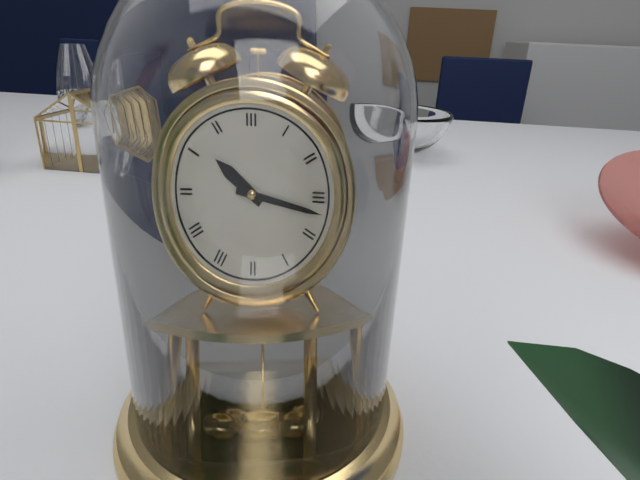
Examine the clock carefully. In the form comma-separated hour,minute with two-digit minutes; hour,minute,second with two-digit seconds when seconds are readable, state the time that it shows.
10,17
